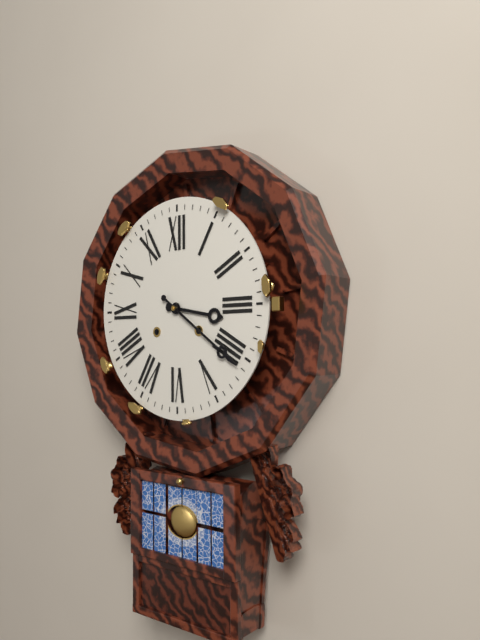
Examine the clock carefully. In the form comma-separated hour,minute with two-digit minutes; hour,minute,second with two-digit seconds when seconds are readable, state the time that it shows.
3,21
